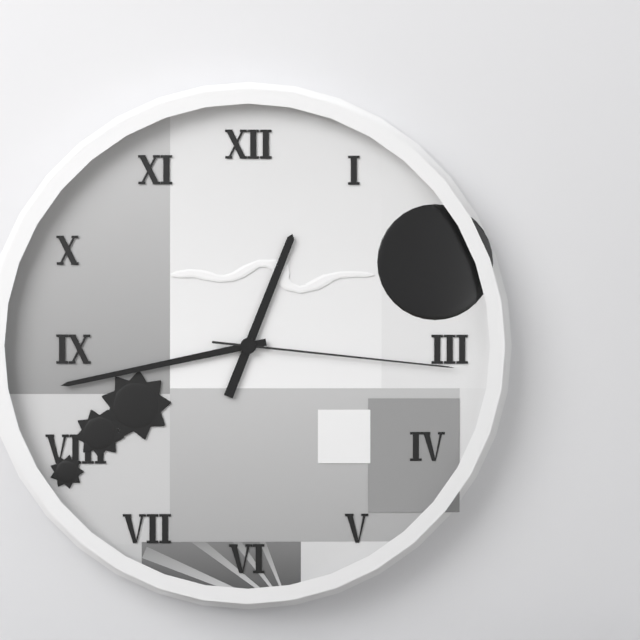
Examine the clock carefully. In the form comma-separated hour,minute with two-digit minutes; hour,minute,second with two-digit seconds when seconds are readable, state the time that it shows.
12,43,16
